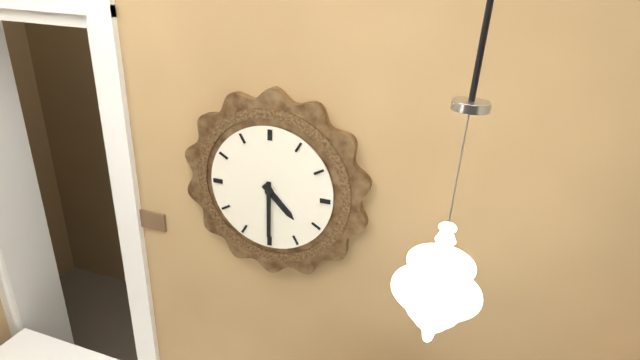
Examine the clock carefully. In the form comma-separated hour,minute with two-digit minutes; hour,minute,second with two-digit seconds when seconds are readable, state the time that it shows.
4,30
